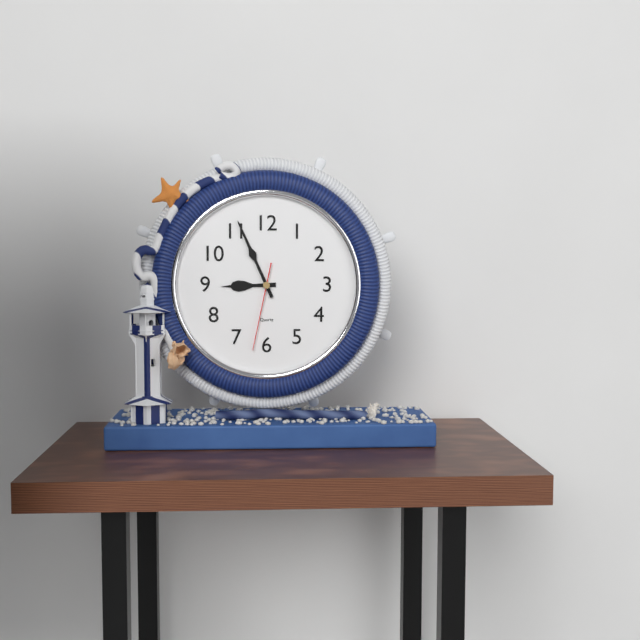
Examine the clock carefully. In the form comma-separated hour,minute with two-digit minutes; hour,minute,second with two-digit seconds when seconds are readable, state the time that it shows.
8,56,32
